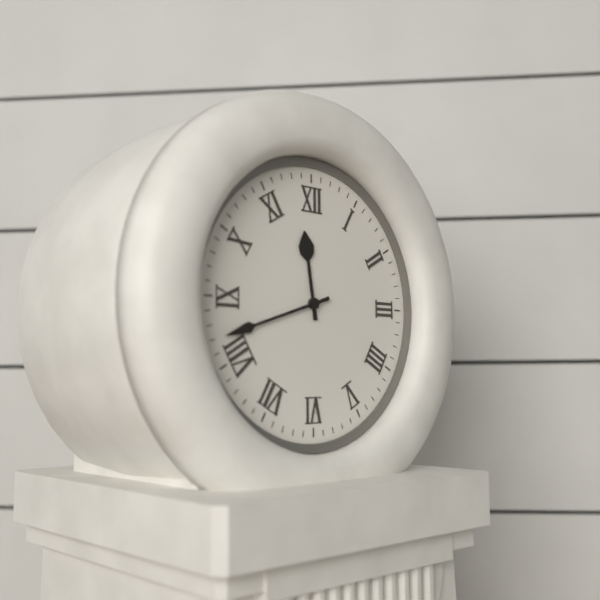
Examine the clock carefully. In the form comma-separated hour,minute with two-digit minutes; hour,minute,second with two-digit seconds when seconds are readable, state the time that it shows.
11,42
